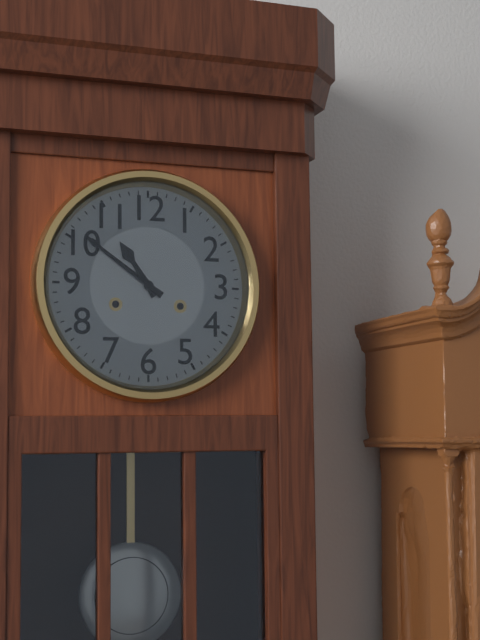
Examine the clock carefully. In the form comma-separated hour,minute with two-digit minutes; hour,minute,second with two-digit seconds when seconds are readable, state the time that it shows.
10,51
